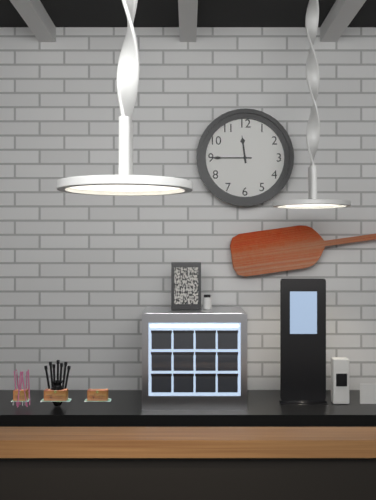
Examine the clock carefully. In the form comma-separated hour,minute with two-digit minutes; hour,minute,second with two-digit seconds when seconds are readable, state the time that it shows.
11,45
